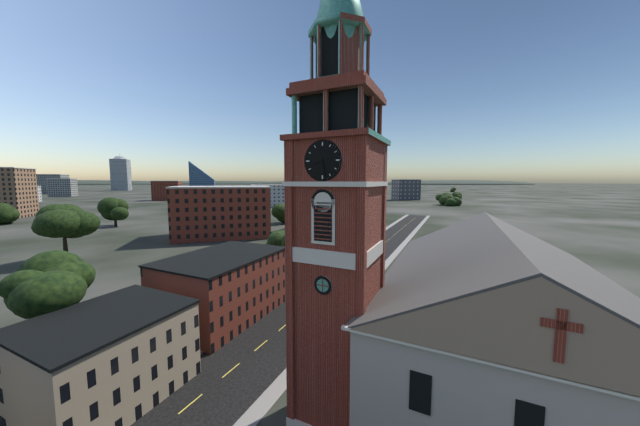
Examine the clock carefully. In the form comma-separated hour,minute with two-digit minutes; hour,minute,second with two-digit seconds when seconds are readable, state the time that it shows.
8,28
